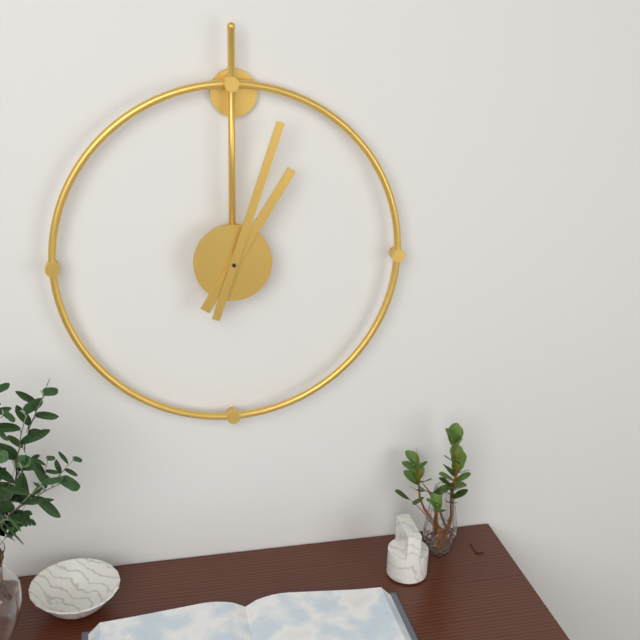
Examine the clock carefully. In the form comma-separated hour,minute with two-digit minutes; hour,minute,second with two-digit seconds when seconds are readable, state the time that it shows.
1,03
